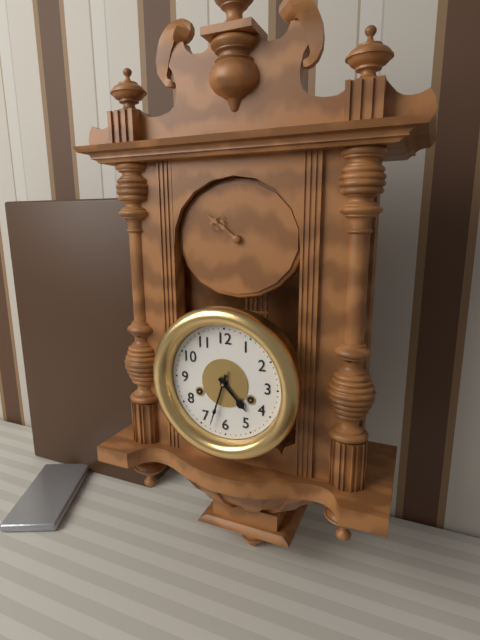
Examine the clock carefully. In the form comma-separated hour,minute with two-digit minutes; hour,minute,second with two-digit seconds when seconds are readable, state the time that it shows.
4,33
